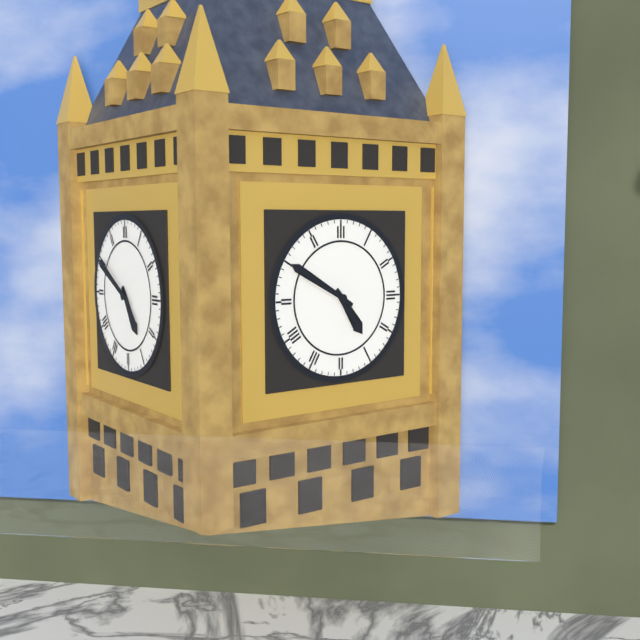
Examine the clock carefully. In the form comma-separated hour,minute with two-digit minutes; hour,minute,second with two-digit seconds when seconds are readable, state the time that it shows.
4,50
